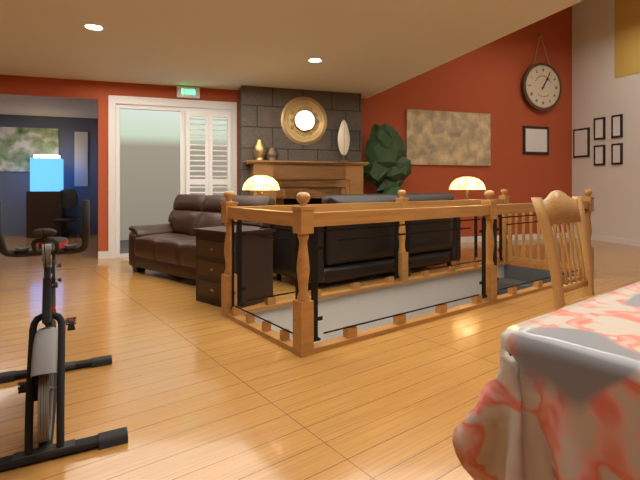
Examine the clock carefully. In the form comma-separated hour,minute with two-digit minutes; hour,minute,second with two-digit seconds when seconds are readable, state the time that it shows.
1,05
